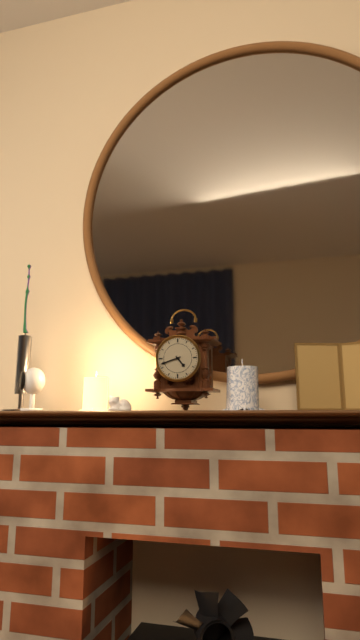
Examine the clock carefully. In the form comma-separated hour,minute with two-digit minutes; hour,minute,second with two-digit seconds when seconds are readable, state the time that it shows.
4,42
